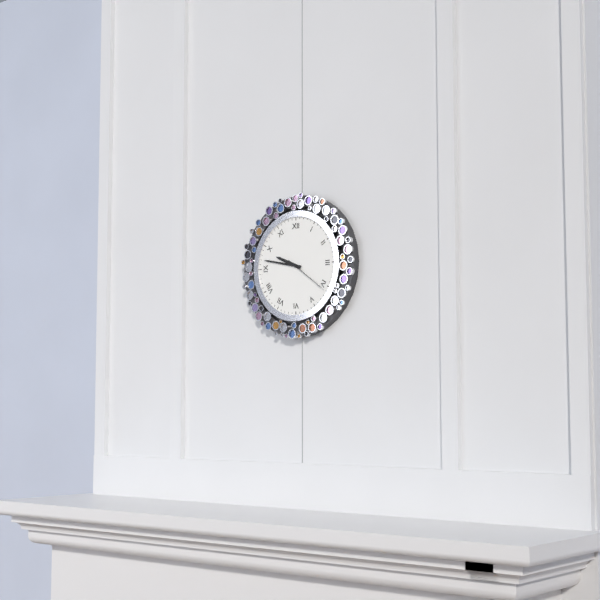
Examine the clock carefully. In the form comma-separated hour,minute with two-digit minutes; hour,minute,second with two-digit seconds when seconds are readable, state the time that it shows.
9,47
